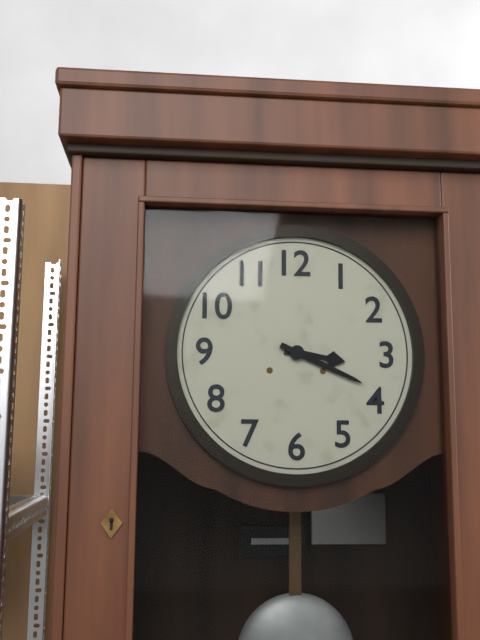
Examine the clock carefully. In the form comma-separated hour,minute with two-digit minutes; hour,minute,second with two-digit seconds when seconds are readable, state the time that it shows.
3,19
